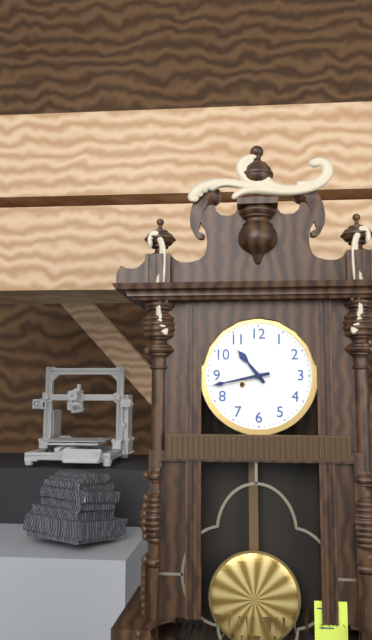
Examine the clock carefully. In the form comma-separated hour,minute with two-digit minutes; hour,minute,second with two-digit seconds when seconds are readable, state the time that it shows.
10,43
